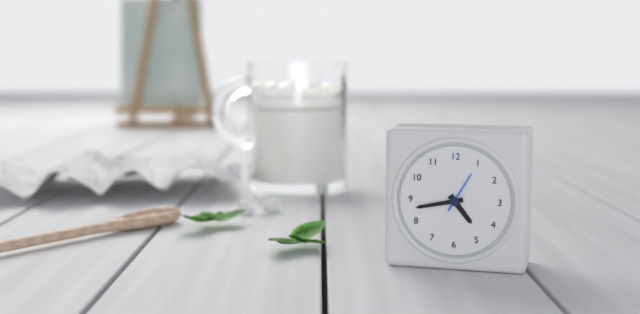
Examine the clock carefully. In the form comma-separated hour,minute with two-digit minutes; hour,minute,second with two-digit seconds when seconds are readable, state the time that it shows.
4,43
